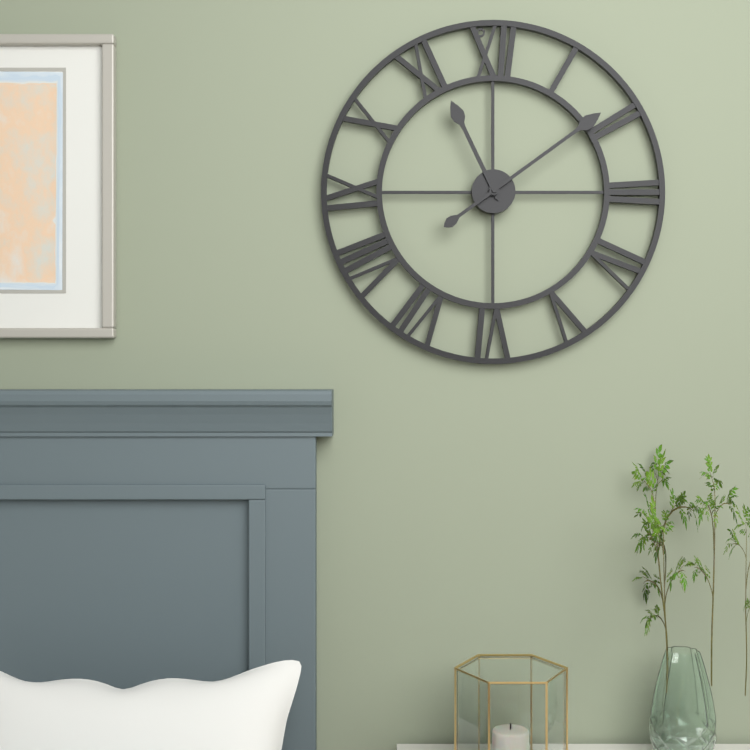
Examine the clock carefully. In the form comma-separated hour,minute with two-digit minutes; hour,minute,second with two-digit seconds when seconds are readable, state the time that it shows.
11,09
